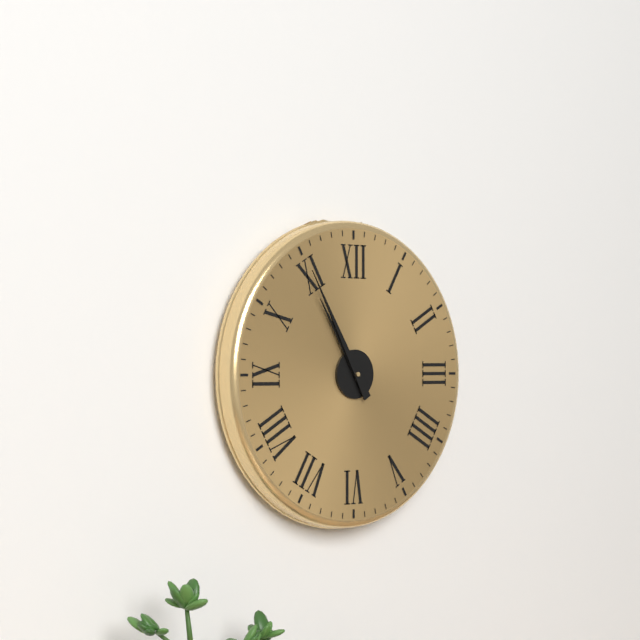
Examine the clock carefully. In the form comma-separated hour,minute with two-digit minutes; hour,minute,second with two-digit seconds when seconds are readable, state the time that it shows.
10,55
